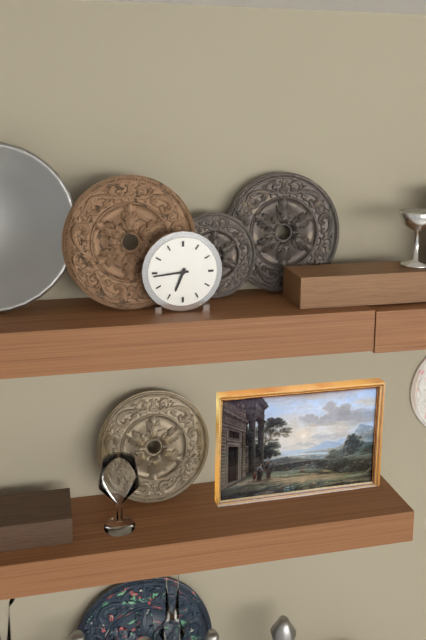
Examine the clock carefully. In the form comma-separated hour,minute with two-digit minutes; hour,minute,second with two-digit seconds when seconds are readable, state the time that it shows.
6,44
